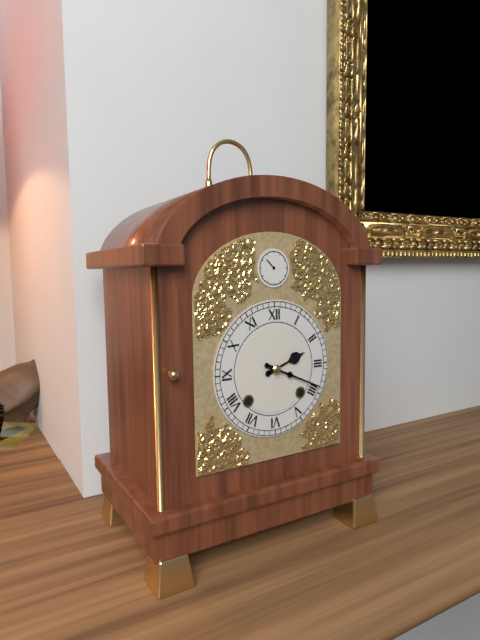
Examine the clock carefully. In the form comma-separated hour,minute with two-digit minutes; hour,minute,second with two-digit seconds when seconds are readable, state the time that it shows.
2,19
